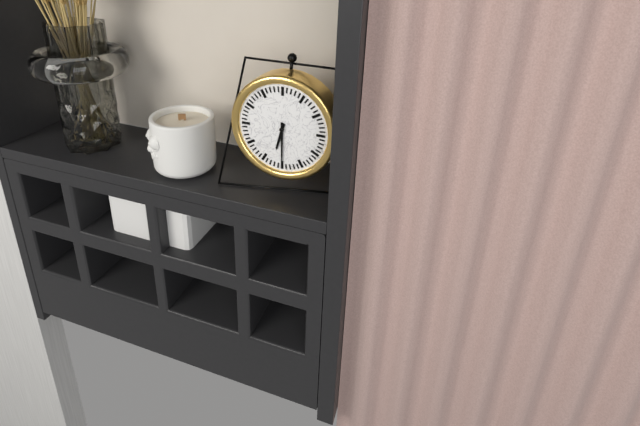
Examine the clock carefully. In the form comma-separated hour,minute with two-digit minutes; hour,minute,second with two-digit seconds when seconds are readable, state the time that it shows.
6,30
